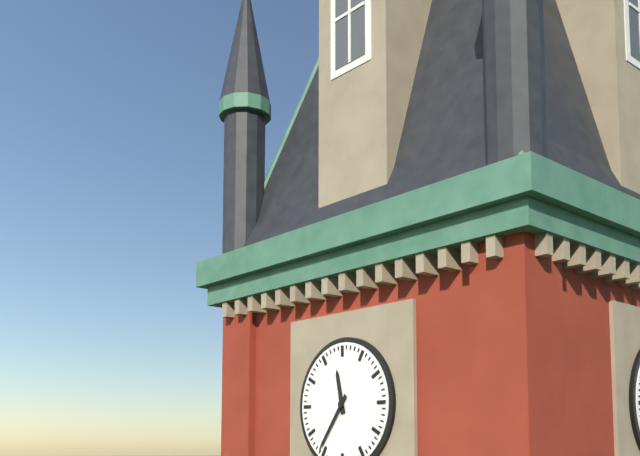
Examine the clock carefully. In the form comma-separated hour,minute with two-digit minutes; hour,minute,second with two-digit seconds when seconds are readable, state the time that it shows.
11,36
